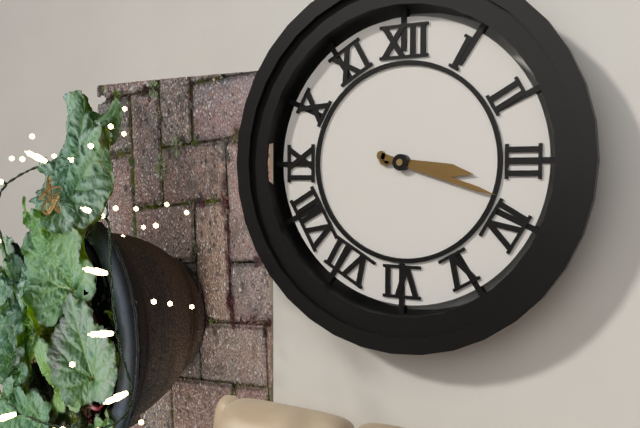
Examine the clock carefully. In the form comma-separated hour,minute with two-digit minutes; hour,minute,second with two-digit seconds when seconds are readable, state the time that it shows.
3,18
